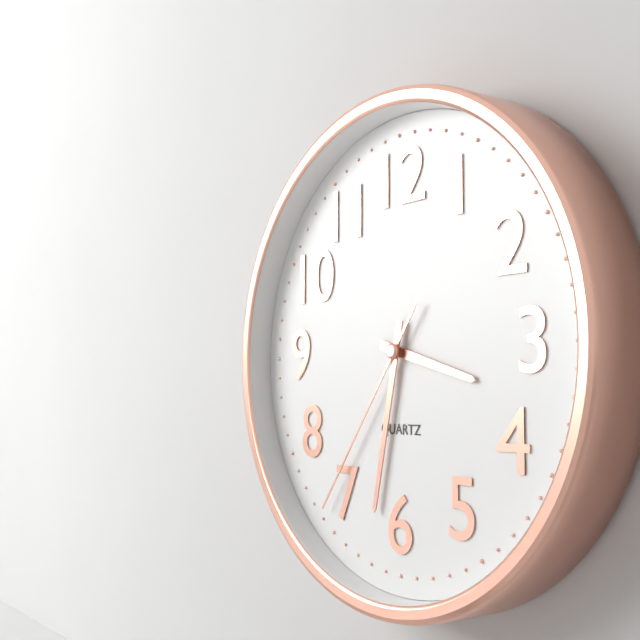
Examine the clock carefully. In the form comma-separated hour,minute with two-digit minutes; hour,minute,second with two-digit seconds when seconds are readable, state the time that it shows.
3,32,36
